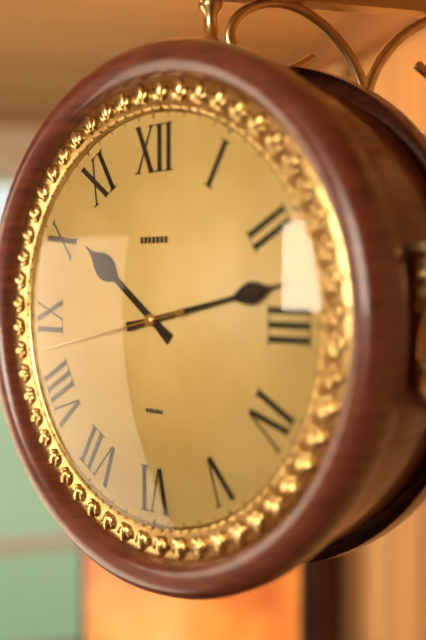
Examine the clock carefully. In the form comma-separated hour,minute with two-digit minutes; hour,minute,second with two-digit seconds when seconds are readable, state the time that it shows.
10,13,43
